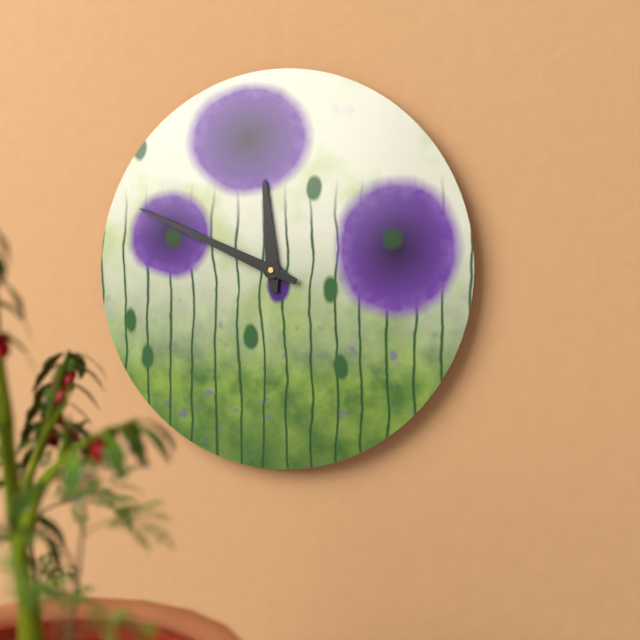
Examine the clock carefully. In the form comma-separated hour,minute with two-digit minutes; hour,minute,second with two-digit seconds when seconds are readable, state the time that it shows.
11,49
